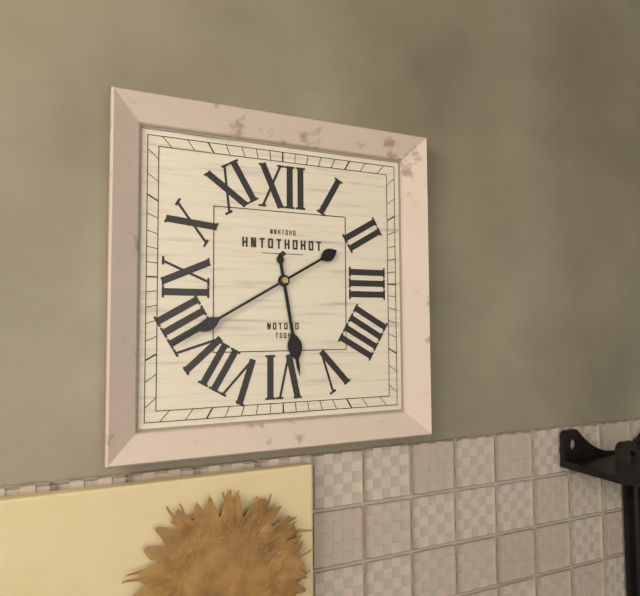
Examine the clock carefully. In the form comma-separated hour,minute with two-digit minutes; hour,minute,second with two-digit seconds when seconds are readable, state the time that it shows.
5,40
